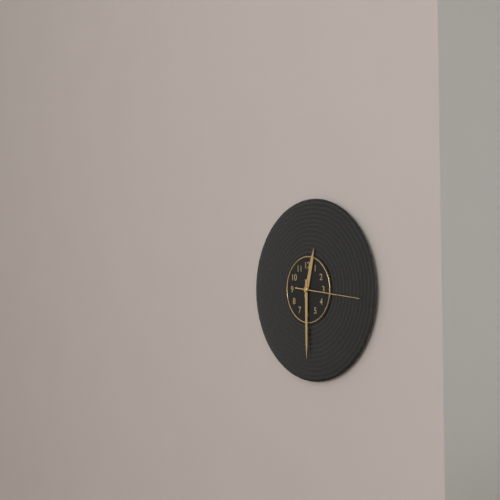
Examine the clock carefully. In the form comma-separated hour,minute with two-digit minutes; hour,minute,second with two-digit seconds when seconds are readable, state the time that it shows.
12,30,16
